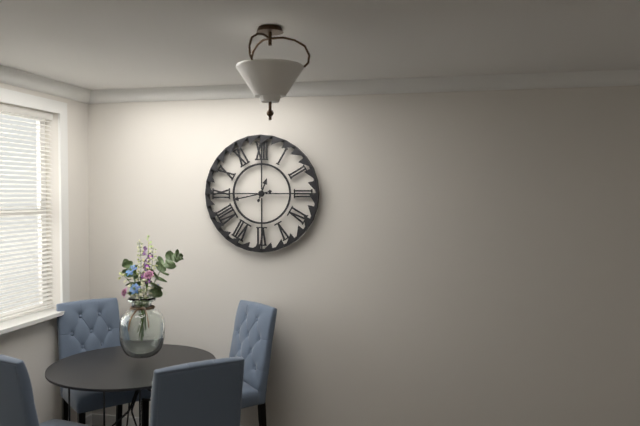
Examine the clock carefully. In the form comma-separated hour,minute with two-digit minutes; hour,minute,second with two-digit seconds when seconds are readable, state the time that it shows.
12,43
